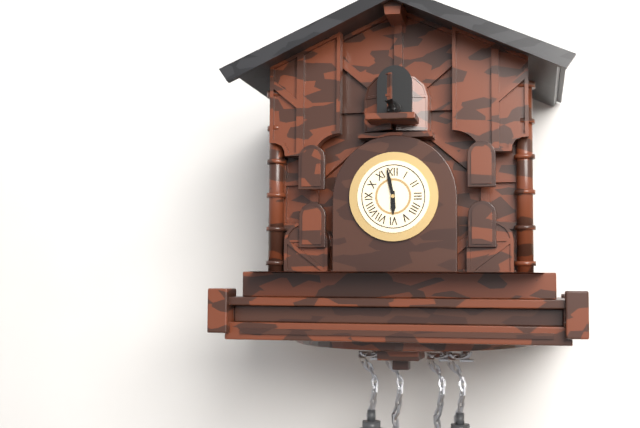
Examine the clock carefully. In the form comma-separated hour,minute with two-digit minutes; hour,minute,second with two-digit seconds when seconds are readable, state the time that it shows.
5,58
